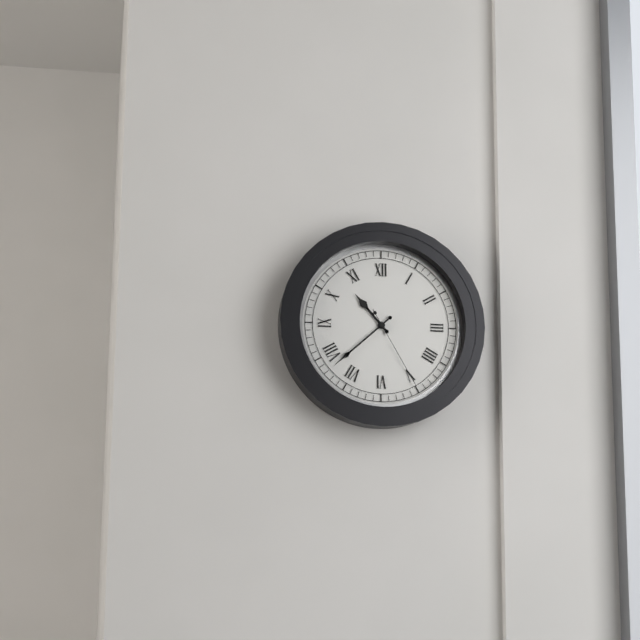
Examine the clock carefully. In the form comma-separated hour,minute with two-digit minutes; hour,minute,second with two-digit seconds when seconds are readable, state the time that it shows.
10,38,25
